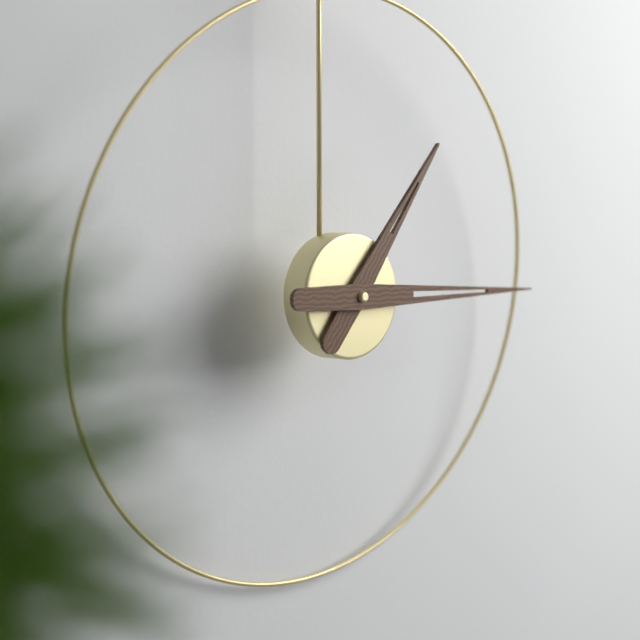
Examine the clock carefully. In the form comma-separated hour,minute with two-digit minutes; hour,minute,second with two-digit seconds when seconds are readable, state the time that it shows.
1,15
